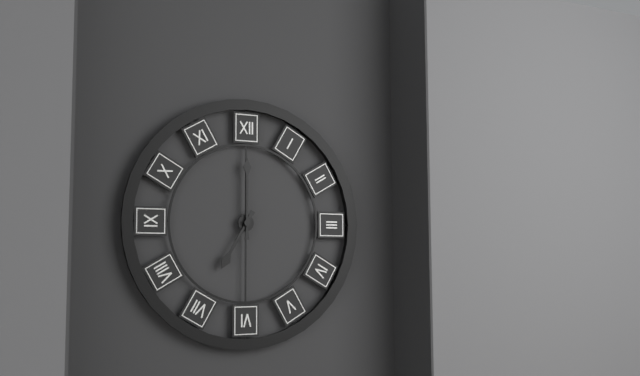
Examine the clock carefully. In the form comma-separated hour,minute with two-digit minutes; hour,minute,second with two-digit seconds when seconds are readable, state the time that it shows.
7,00
